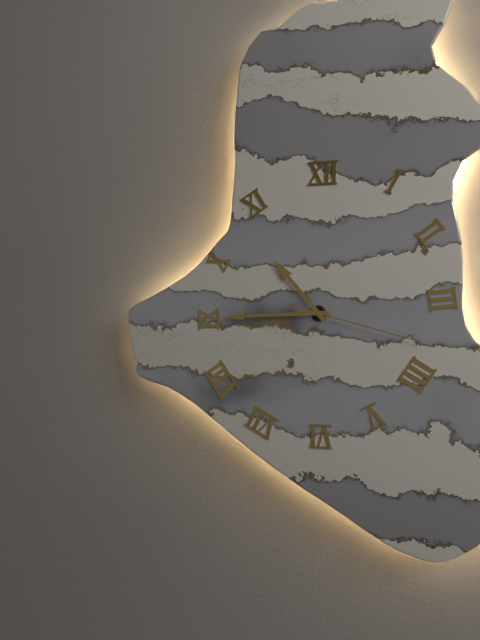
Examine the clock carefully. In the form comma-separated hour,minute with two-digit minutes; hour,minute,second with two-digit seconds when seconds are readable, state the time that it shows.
10,45,18
